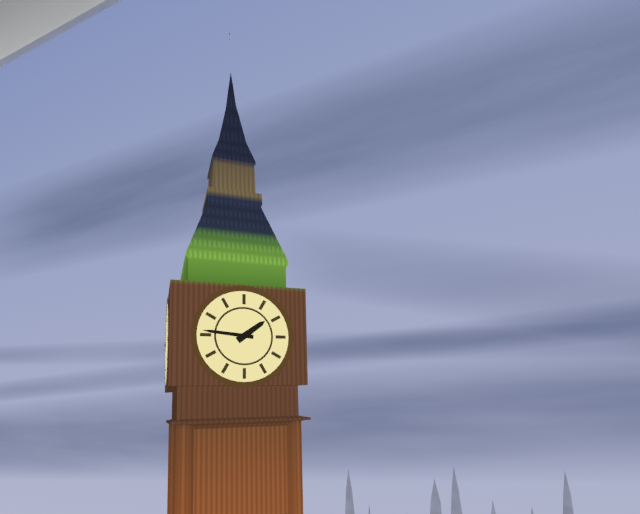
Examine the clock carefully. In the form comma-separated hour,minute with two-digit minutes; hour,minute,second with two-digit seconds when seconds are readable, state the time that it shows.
1,46
